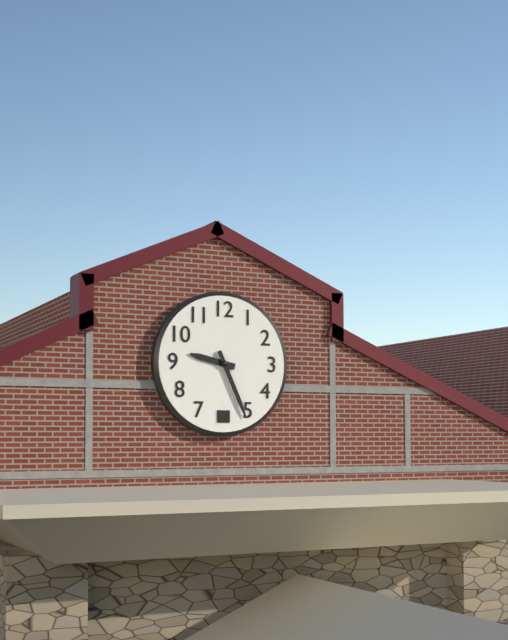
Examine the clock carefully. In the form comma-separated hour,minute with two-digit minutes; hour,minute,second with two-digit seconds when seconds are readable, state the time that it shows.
9,26
